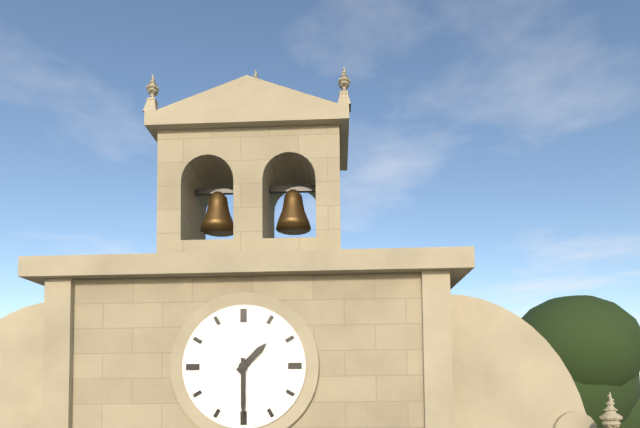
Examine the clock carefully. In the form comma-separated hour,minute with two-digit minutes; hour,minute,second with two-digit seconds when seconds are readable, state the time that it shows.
1,30
